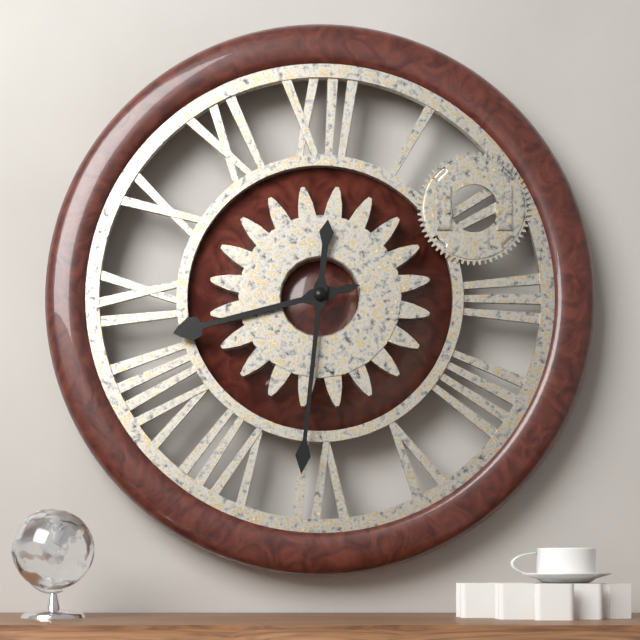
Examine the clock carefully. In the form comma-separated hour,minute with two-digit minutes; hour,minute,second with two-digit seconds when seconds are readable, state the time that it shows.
8,31
